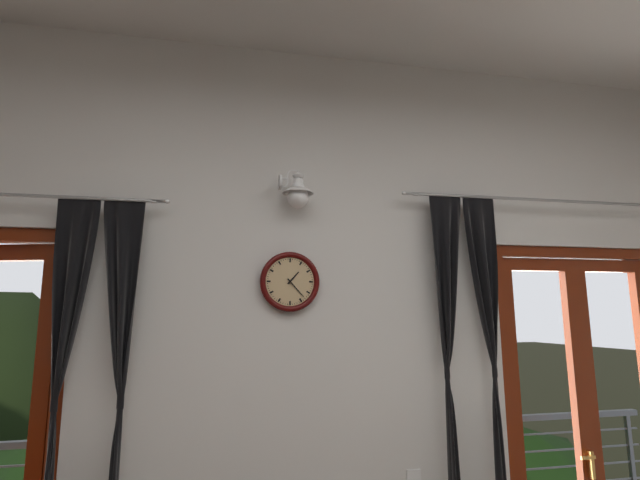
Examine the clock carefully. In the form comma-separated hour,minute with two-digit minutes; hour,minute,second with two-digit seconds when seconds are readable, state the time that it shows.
1,23
